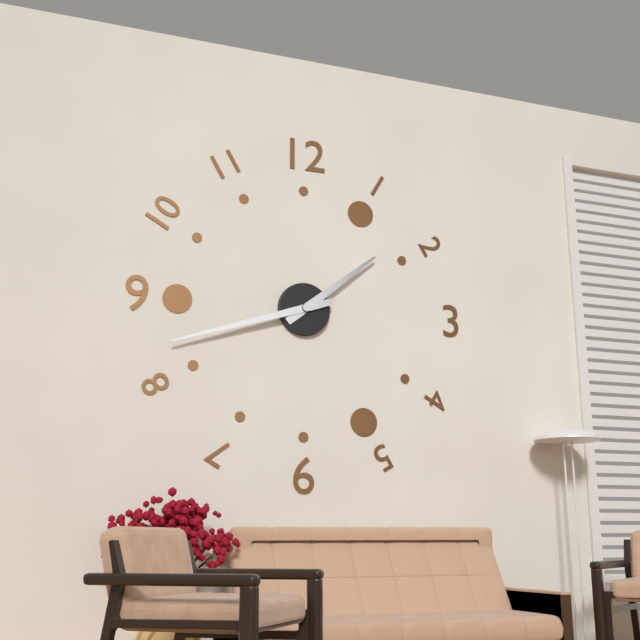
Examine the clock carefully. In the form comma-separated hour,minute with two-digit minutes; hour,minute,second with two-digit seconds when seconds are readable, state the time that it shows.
1,42
